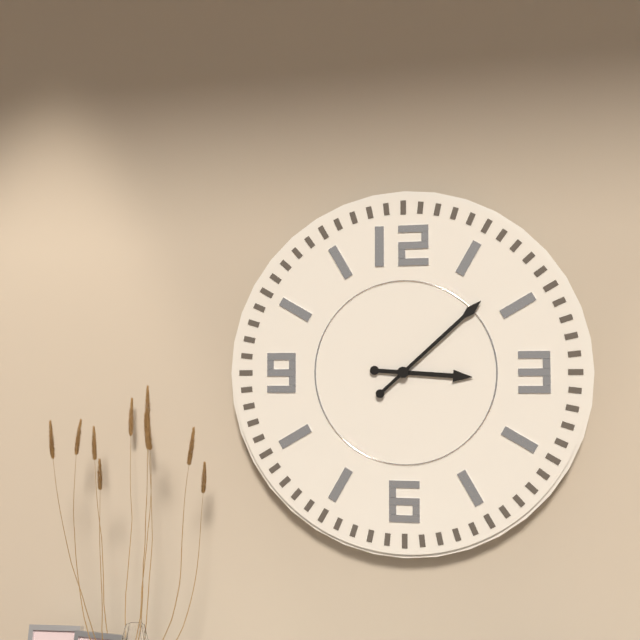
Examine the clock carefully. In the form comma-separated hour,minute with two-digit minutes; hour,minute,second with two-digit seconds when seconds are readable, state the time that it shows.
3,08
